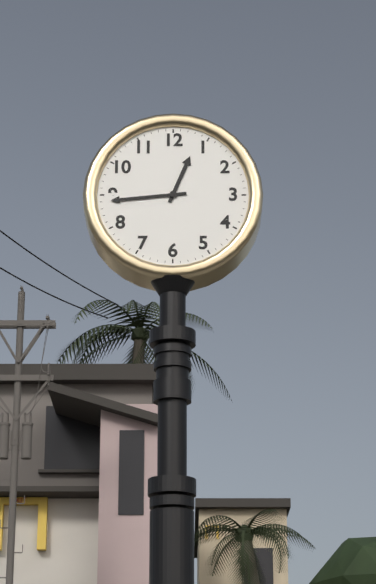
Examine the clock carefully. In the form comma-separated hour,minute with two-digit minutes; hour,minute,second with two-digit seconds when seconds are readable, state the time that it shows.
12,44
